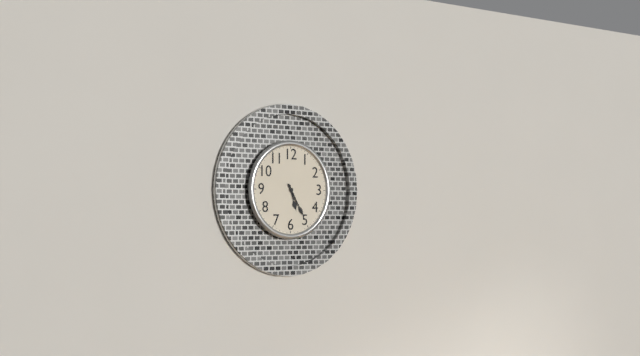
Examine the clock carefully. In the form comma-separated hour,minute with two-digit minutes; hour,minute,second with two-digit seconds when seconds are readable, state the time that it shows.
5,25
